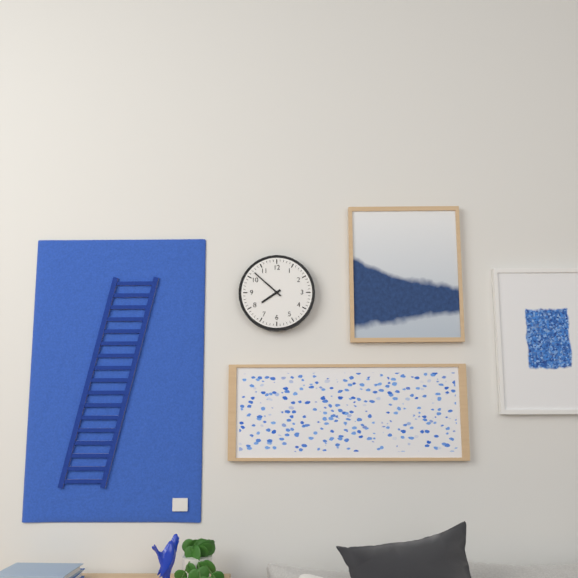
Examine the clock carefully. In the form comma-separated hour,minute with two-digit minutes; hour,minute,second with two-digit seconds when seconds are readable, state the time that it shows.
7,52
